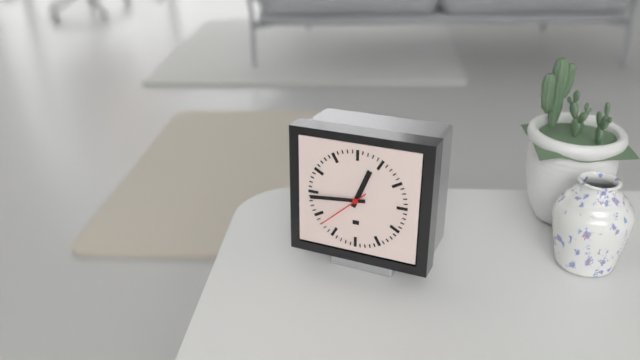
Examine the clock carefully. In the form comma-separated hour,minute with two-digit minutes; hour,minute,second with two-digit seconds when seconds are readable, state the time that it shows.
12,44,38
